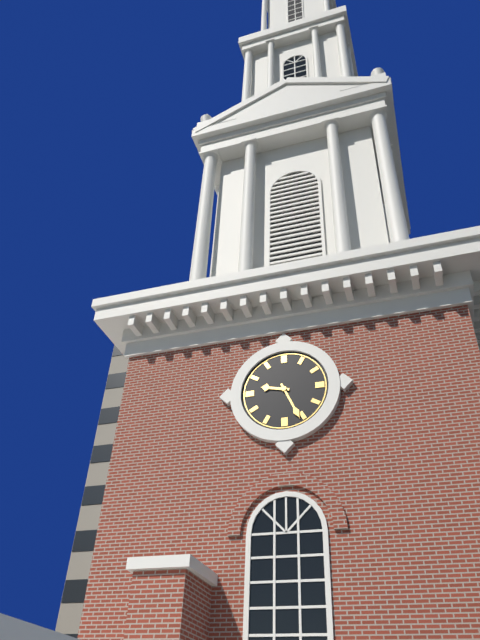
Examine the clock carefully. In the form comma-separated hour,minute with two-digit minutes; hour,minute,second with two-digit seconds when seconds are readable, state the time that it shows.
9,26
